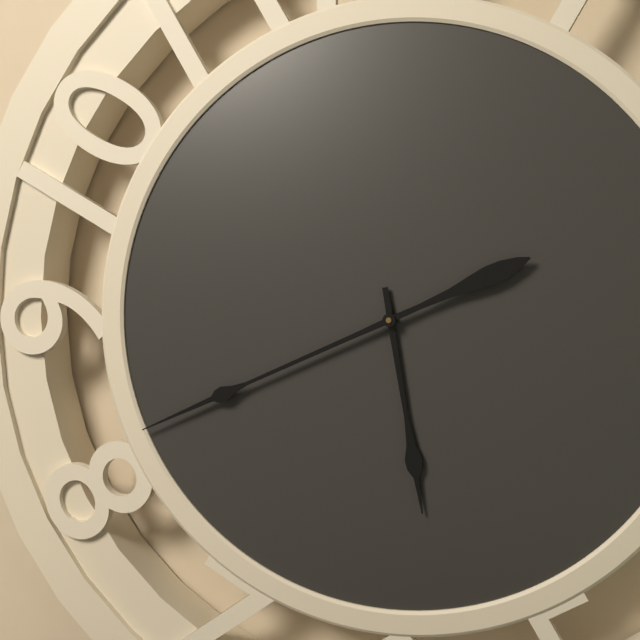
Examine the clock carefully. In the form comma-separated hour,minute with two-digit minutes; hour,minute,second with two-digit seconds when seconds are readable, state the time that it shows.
5,41
